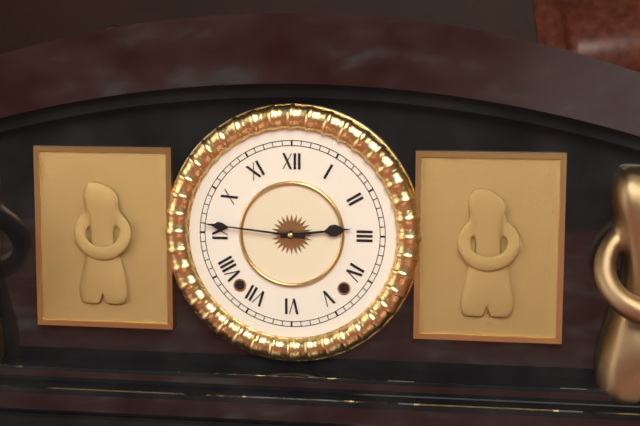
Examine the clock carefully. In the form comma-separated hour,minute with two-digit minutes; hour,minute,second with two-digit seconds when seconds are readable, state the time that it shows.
2,46
